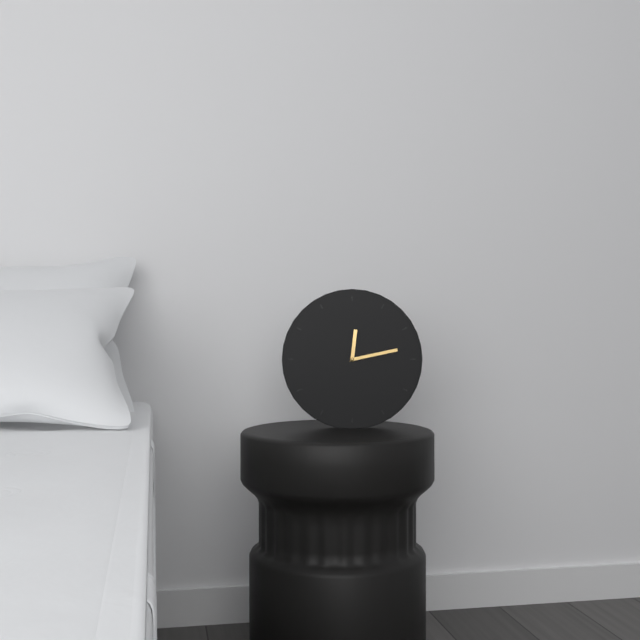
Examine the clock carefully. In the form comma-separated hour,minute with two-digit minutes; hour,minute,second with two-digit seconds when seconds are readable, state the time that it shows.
12,13
